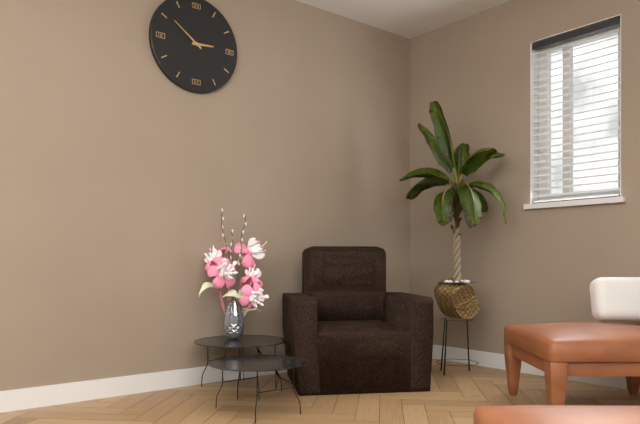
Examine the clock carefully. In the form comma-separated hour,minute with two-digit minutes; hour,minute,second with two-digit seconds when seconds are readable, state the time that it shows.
2,51
